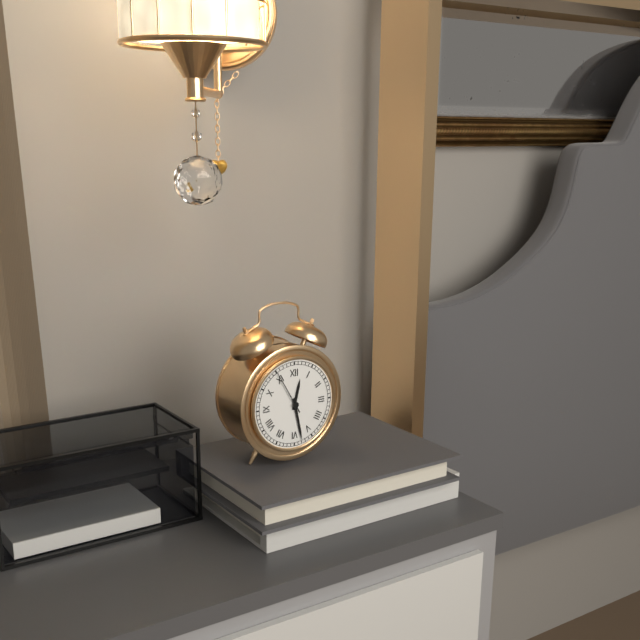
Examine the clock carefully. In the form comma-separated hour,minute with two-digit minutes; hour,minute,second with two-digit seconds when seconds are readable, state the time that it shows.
12,28
